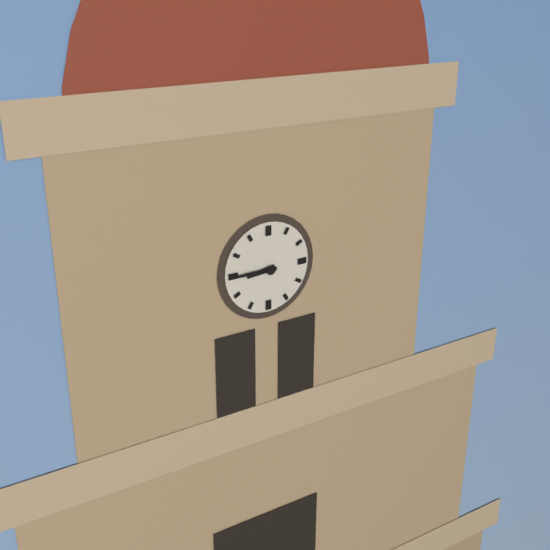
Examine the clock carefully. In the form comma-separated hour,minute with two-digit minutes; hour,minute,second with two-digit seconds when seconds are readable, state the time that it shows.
8,45
